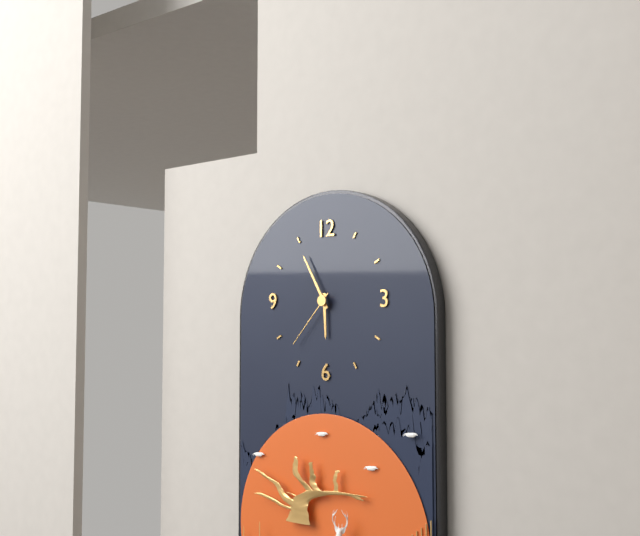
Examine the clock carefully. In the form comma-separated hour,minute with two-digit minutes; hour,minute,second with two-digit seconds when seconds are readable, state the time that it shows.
5,55,37
